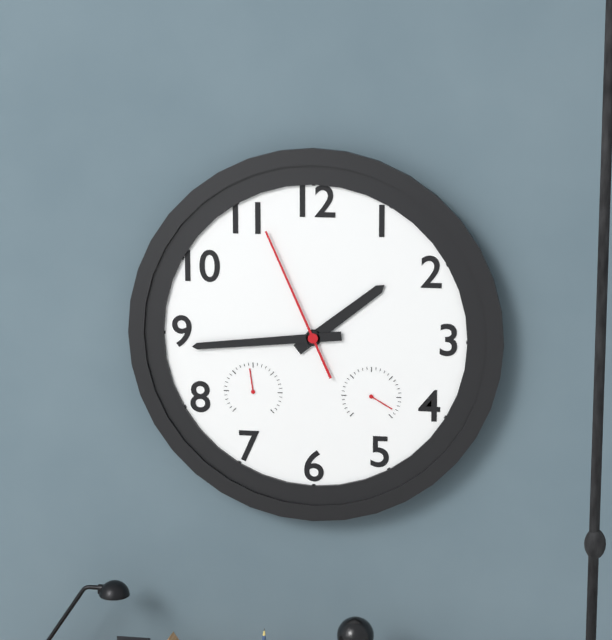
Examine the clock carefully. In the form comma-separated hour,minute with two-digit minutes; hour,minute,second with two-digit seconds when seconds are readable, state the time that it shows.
1,44,56
